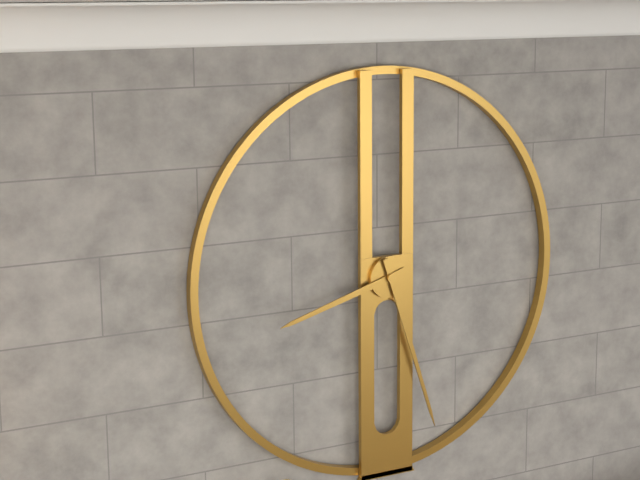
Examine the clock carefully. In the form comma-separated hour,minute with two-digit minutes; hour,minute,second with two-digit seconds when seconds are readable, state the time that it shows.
8,27
